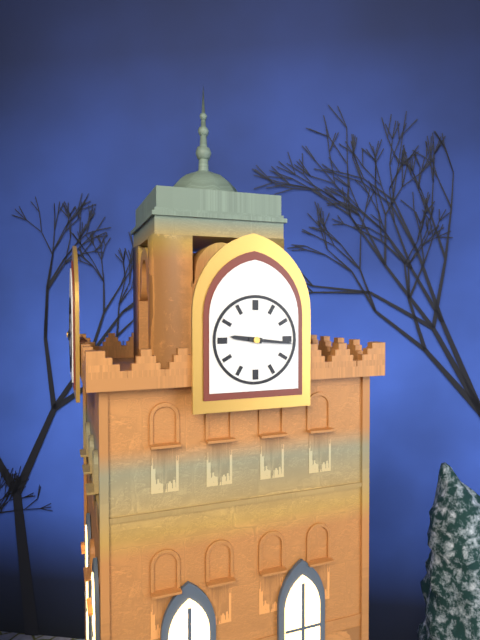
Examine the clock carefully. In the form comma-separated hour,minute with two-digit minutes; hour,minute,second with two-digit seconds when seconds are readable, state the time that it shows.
9,16
